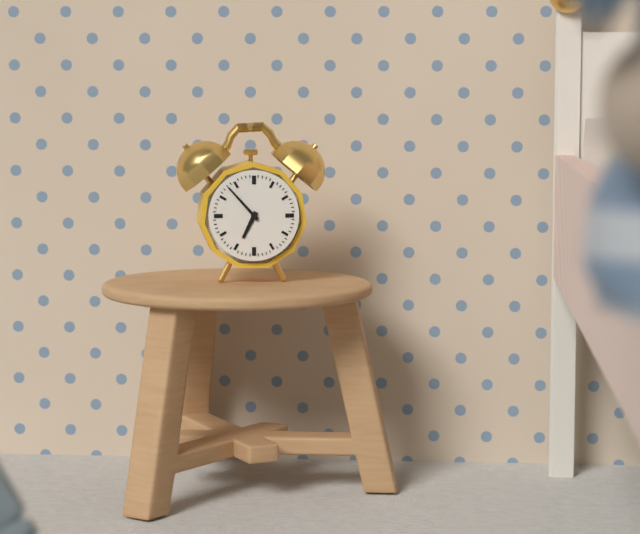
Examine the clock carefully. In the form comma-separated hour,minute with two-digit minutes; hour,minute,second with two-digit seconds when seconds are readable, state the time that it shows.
6,53
